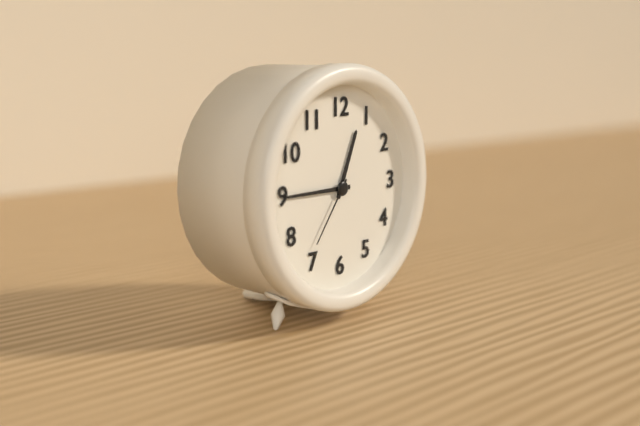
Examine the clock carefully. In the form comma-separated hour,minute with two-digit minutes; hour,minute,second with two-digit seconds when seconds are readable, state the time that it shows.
12,45,36
